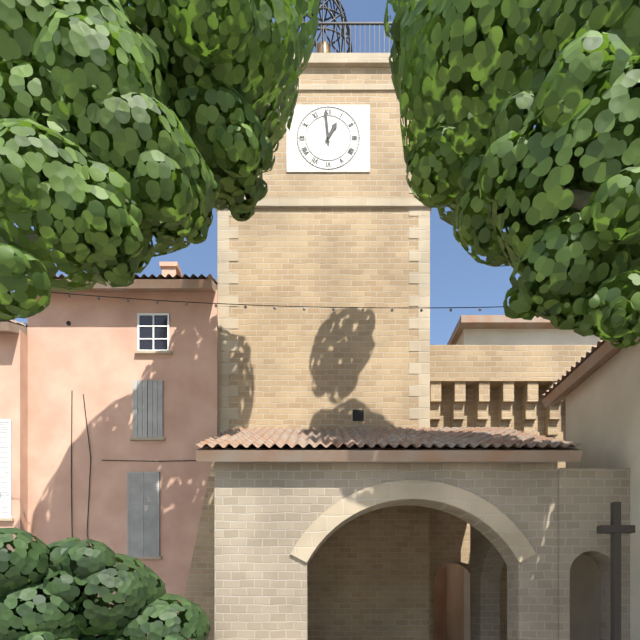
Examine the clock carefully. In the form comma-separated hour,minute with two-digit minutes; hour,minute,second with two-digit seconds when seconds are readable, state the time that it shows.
12,59
